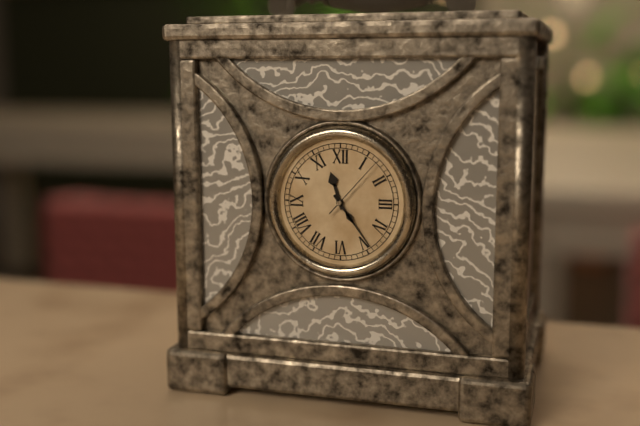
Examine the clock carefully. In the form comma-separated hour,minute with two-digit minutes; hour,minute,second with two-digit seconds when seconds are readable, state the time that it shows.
11,24,07
